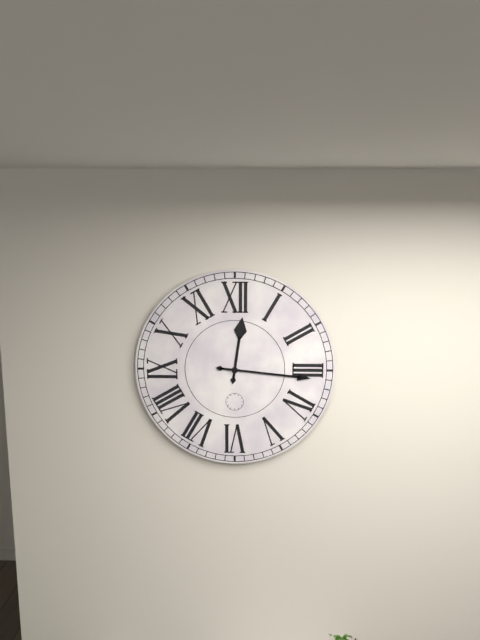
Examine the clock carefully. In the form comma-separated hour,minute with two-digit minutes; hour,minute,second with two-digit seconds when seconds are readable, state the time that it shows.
12,16
